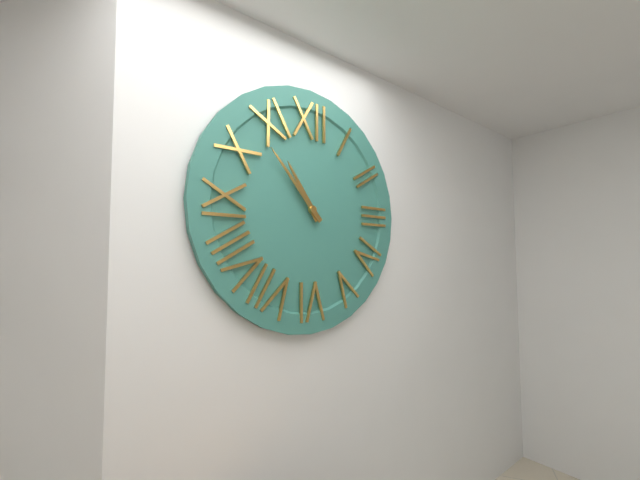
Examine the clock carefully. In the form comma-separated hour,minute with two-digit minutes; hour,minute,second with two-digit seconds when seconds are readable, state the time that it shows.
10,53
